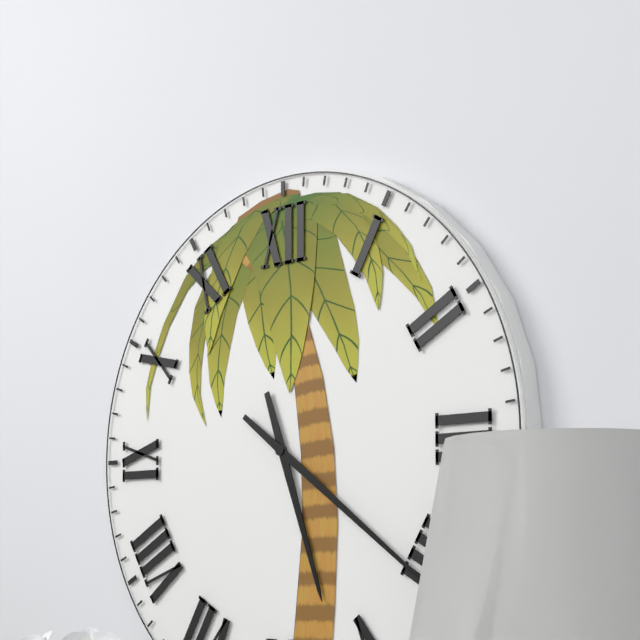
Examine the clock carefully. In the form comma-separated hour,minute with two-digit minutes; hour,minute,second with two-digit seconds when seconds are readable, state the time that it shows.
5,21
